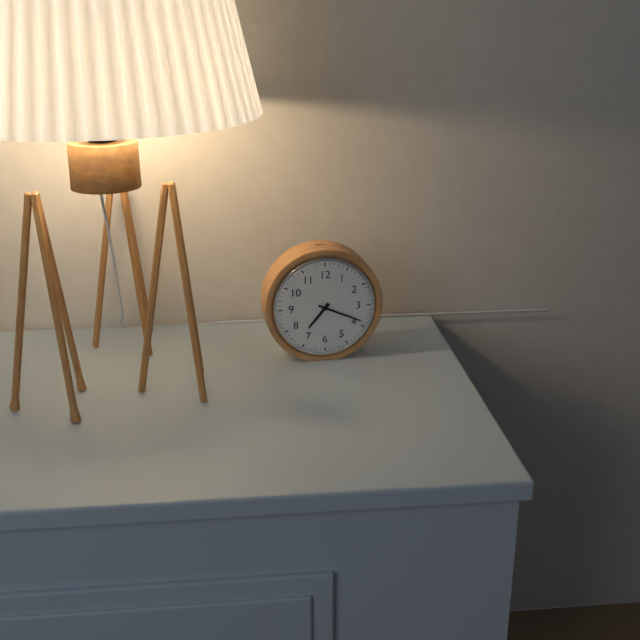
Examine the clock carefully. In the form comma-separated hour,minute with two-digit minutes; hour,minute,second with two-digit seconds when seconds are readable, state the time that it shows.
7,19
